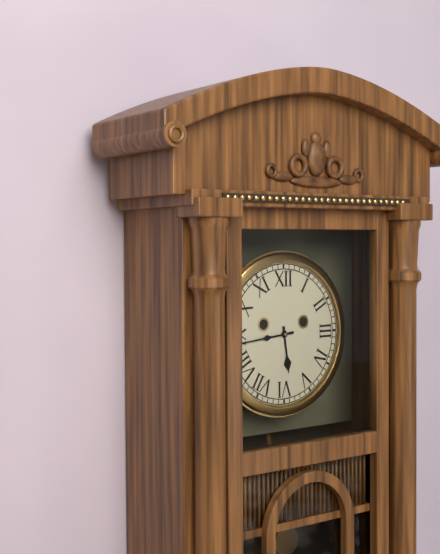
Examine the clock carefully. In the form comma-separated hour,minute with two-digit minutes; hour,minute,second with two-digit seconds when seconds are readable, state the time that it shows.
5,44
